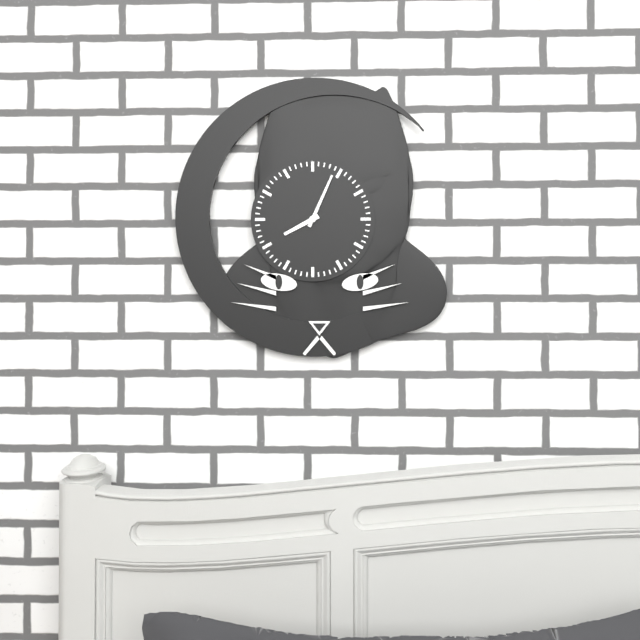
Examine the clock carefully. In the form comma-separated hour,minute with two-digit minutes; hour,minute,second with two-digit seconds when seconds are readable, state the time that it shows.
8,04
